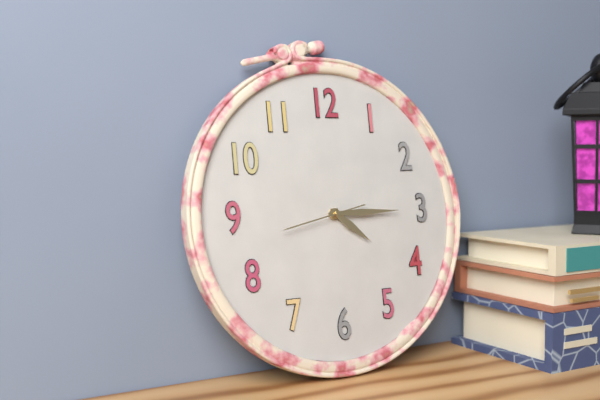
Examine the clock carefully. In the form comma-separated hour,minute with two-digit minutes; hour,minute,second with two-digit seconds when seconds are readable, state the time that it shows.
4,15,43
